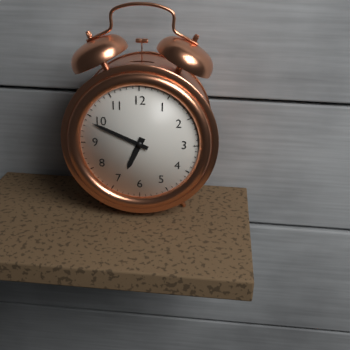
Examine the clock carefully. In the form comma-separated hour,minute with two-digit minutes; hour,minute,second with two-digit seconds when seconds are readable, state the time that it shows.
6,49
